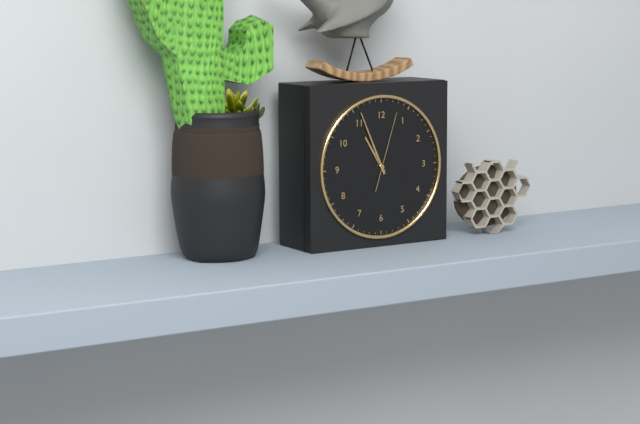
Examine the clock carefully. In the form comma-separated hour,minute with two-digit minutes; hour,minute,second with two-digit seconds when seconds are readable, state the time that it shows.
10,56,03
